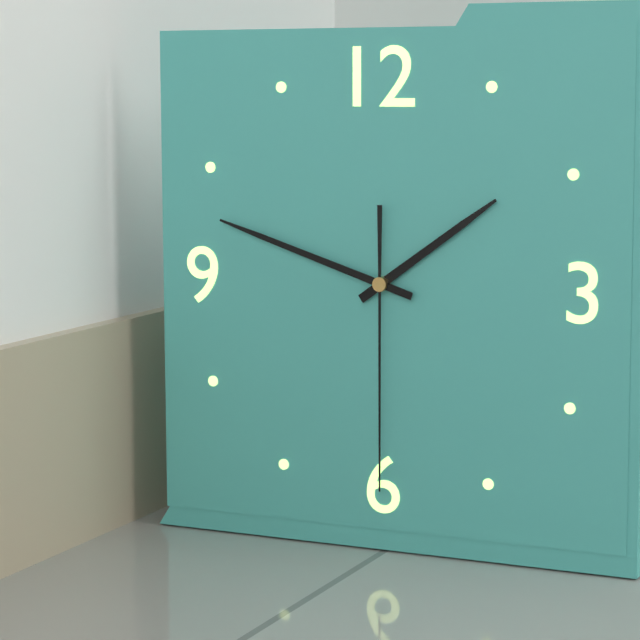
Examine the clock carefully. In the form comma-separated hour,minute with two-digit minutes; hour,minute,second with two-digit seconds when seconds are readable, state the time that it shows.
1,48,30
